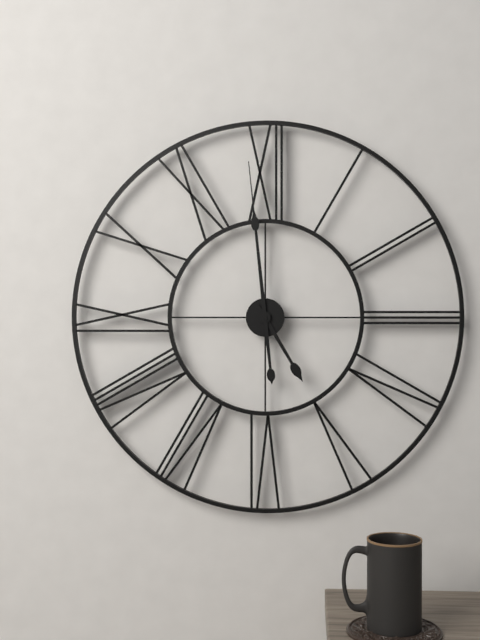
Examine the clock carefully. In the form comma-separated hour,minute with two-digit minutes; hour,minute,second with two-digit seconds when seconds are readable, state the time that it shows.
4,59
